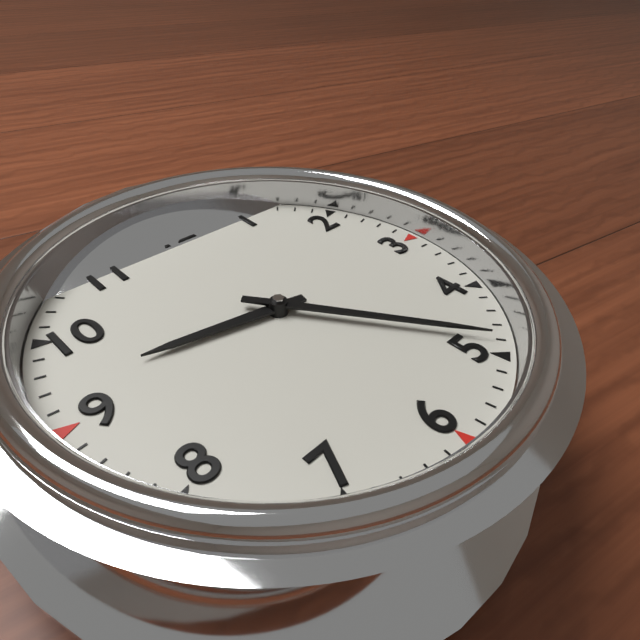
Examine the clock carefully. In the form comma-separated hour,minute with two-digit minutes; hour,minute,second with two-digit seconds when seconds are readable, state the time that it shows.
9,24
